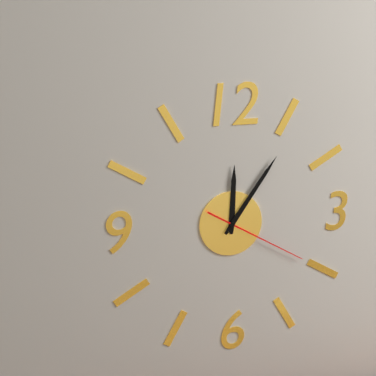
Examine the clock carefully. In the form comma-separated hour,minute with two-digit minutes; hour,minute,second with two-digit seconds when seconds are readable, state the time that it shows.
12,06,20
